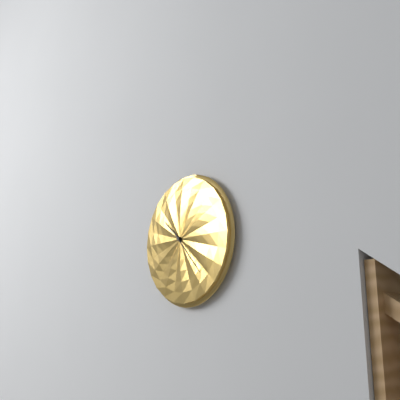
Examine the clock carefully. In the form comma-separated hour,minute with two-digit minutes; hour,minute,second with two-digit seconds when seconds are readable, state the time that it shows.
10,23
